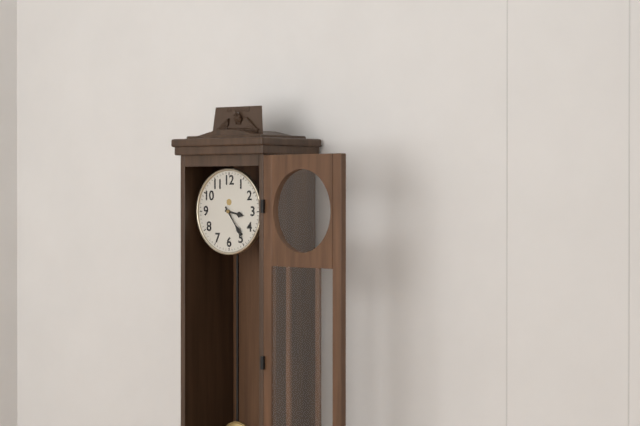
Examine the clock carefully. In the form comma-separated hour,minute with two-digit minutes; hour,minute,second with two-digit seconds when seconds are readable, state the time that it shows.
3,24
